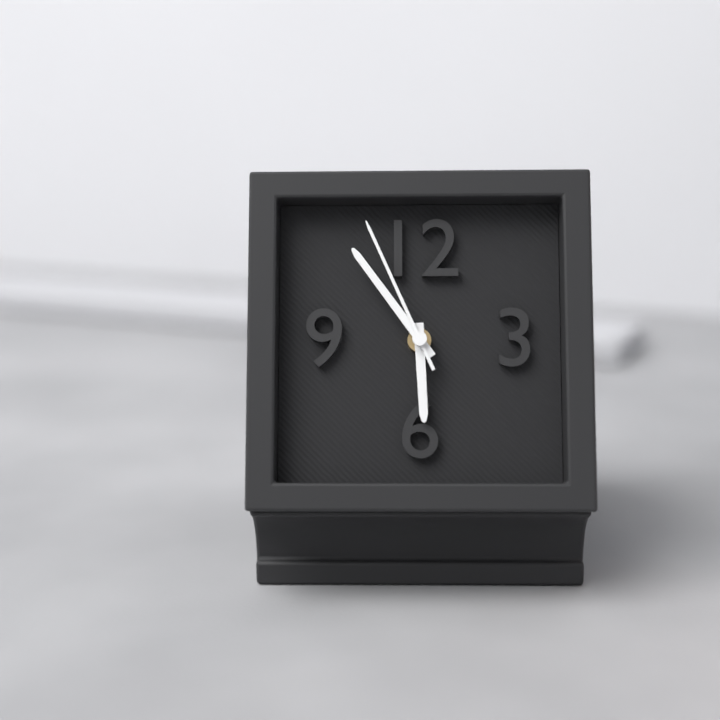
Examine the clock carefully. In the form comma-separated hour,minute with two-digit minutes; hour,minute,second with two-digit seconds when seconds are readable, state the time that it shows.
5,54,56
